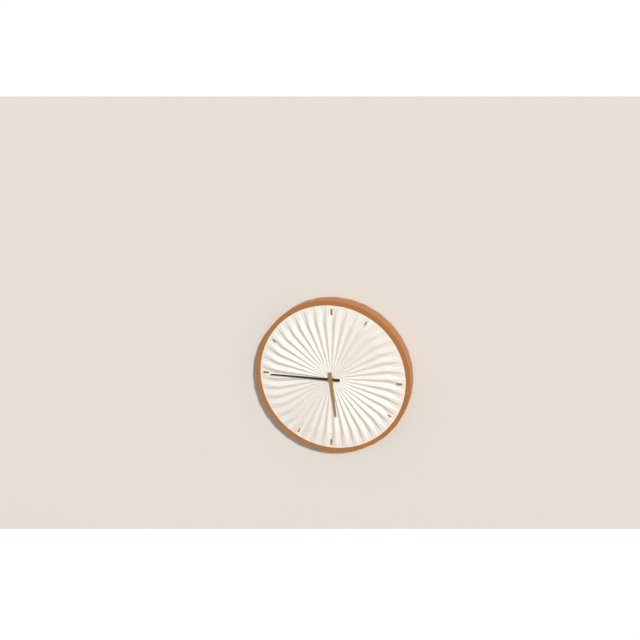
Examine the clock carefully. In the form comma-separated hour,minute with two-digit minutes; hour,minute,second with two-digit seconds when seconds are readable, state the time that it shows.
5,45
